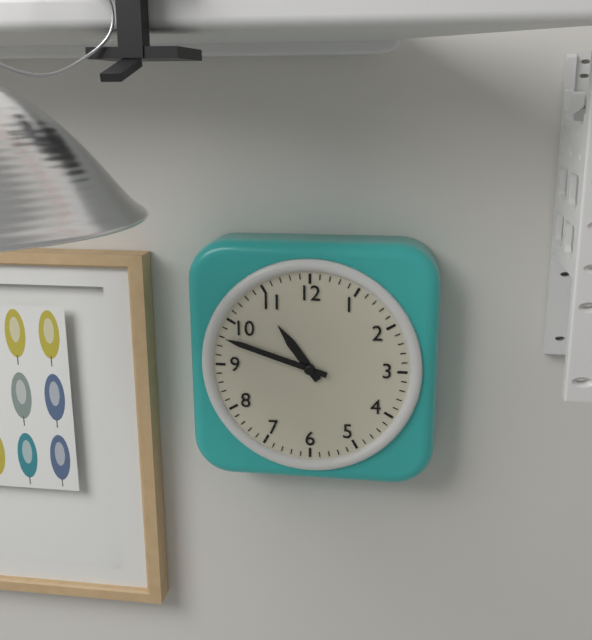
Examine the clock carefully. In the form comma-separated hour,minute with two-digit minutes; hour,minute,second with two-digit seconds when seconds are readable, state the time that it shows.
10,48
